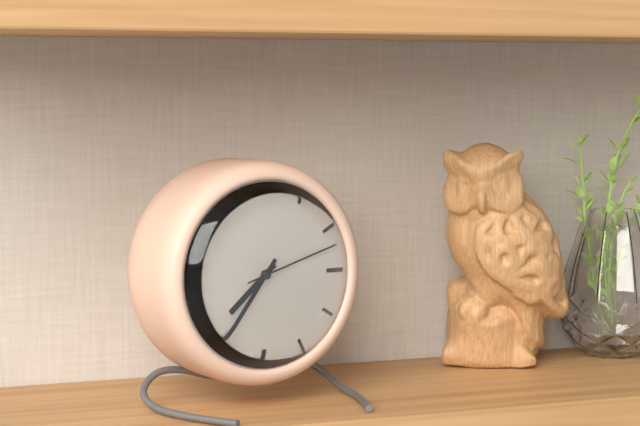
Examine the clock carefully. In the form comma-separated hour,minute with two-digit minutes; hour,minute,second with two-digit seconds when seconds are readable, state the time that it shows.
7,36,12
